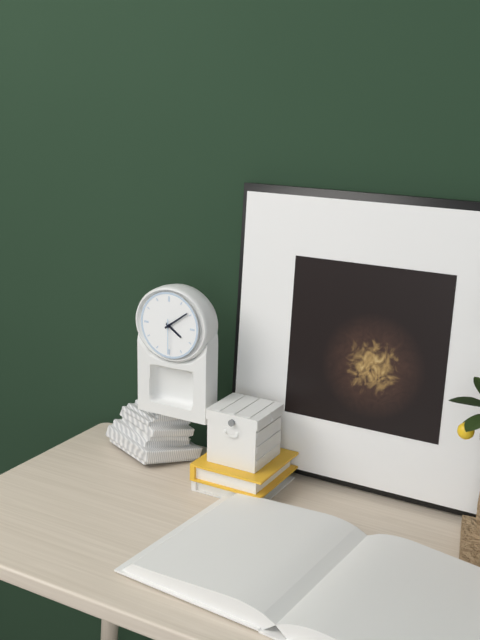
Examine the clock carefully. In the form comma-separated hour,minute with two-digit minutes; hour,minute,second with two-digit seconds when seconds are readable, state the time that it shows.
4,09
